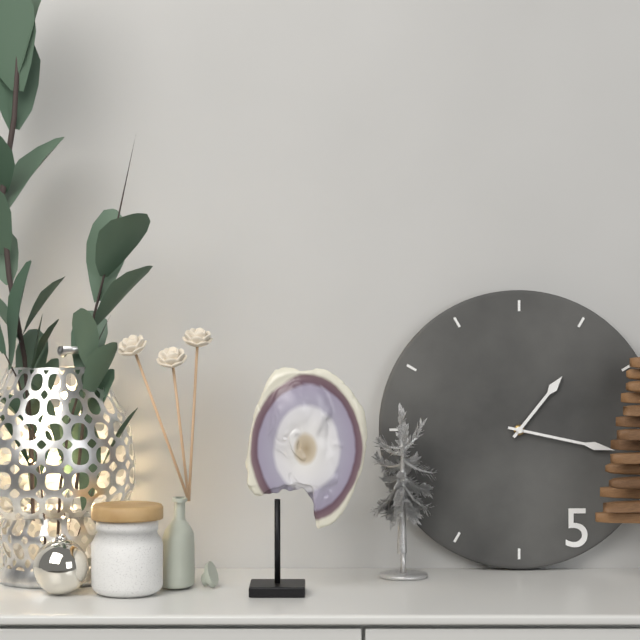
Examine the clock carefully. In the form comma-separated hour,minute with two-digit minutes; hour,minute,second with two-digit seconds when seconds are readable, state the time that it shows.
1,17
